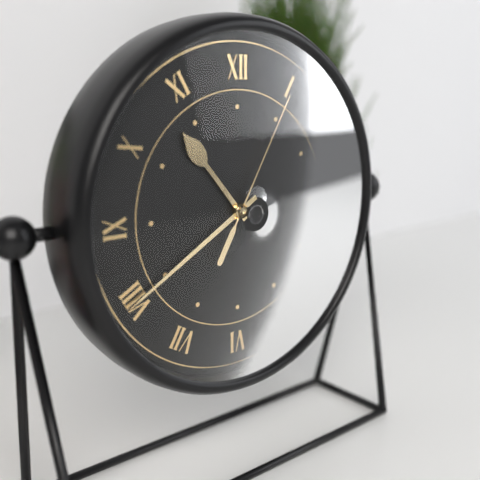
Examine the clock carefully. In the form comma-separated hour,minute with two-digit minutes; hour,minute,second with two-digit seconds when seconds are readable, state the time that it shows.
10,40,05
